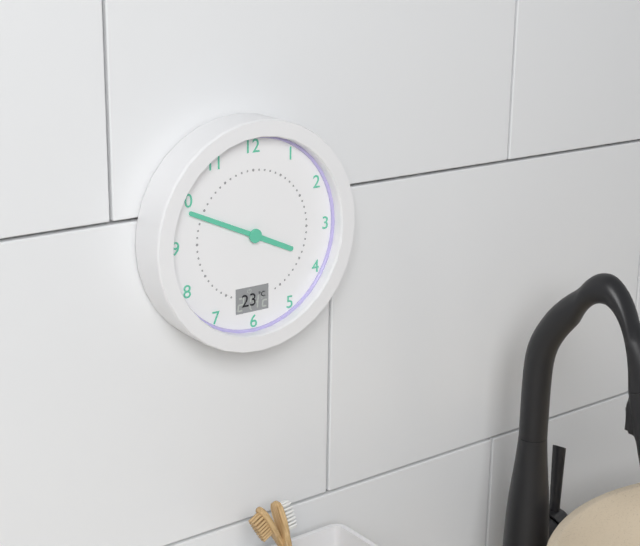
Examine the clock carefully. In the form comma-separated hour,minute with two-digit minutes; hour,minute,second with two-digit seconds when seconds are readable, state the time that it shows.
3,49
